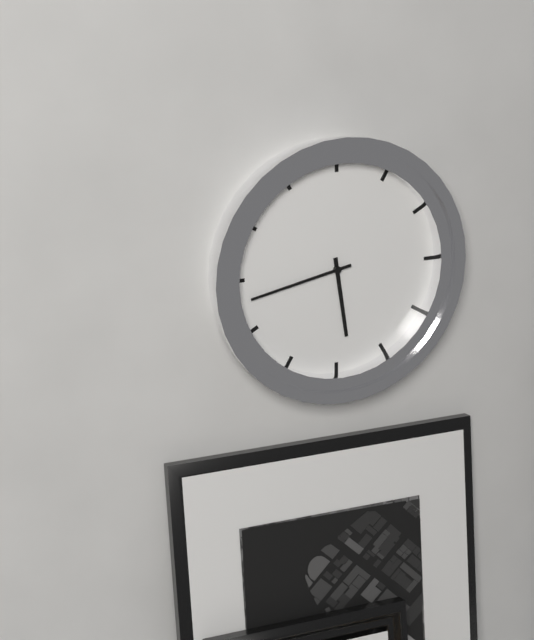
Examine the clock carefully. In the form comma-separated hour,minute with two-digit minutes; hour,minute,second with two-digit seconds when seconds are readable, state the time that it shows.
5,43
